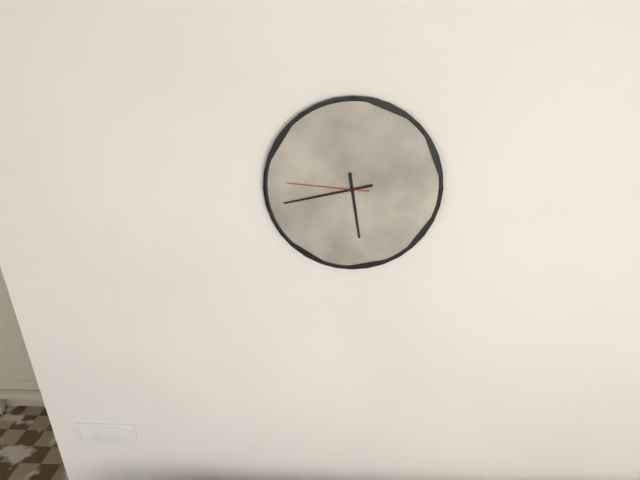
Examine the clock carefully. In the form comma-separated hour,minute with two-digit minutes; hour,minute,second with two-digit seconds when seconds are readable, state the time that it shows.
5,43,46
